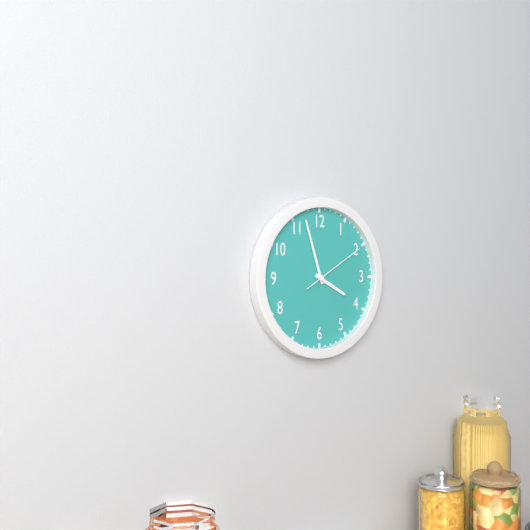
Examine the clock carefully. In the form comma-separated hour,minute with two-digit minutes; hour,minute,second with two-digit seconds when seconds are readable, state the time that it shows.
3,57,10
